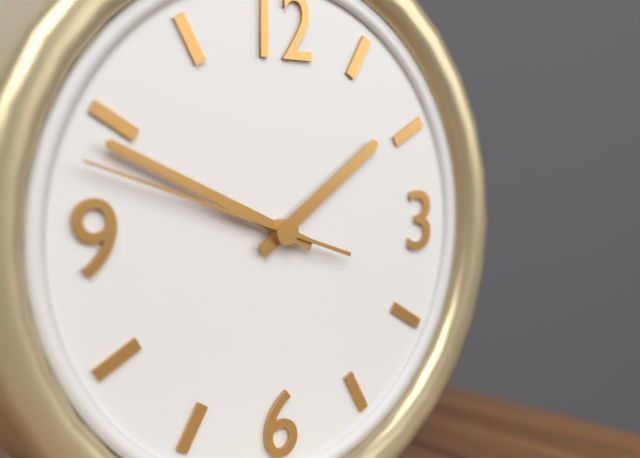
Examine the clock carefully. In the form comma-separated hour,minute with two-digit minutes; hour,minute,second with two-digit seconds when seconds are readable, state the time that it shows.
1,49,48
